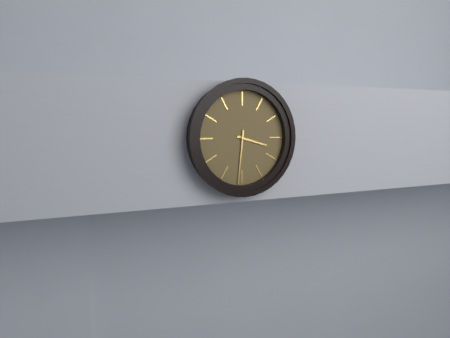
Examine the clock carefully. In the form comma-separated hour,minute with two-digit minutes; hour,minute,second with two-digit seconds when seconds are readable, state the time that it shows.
3,31
